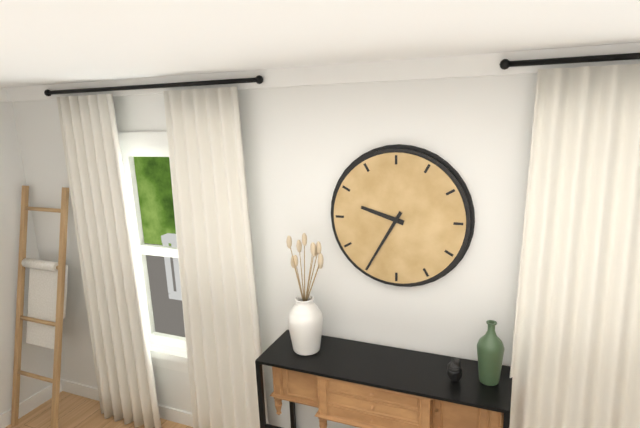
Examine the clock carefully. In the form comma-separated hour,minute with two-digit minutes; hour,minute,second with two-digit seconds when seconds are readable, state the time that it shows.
9,35
